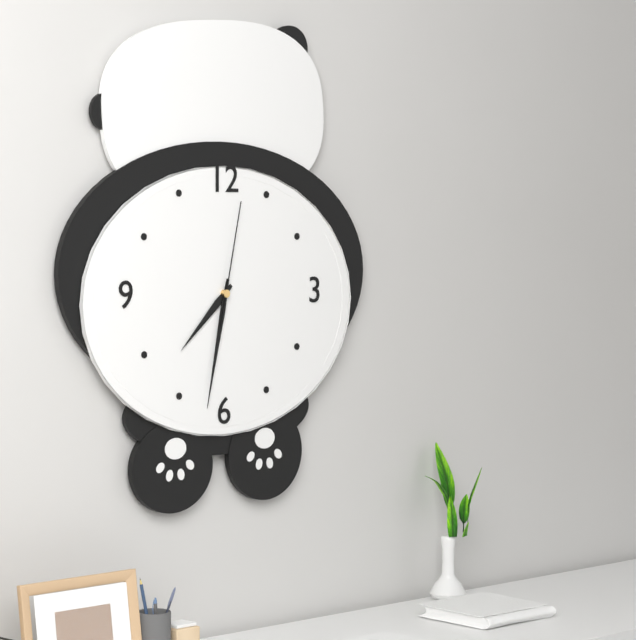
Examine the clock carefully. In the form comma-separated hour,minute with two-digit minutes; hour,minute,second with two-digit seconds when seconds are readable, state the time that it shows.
7,32,02
